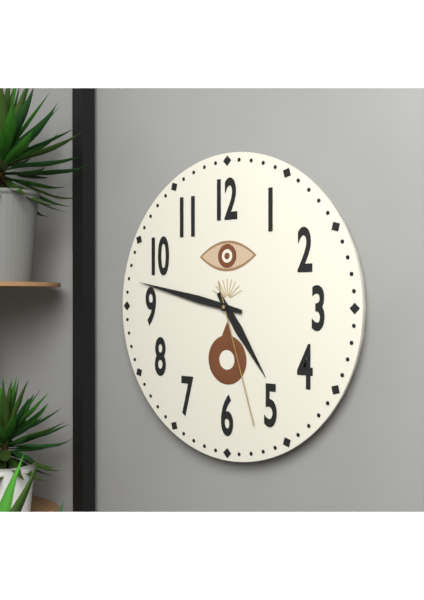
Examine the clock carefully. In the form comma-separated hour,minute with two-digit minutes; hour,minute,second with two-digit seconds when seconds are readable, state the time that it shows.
4,47,27
